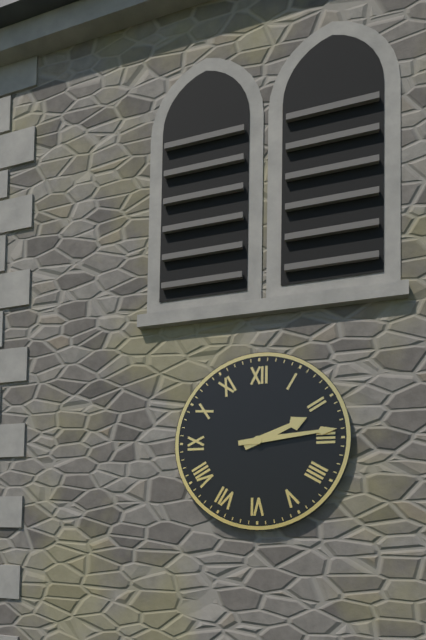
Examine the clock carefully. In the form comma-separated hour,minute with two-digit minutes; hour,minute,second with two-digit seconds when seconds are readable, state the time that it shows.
2,14
